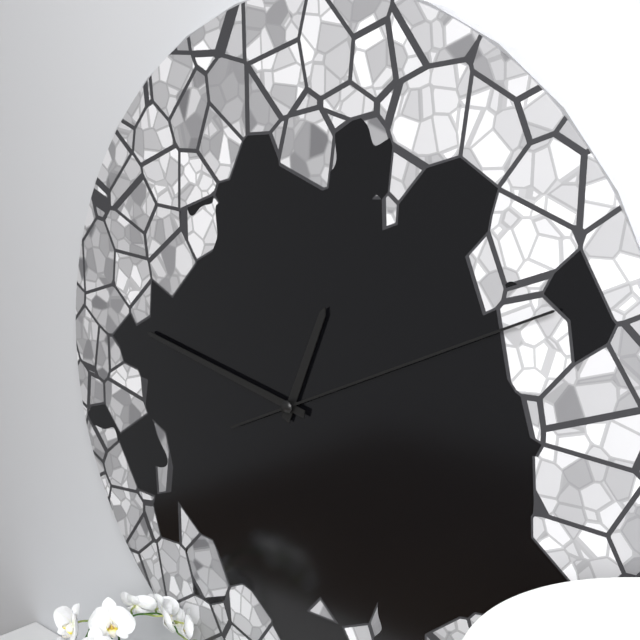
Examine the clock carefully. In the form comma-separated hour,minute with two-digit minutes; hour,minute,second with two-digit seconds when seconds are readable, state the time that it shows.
12,47,11
